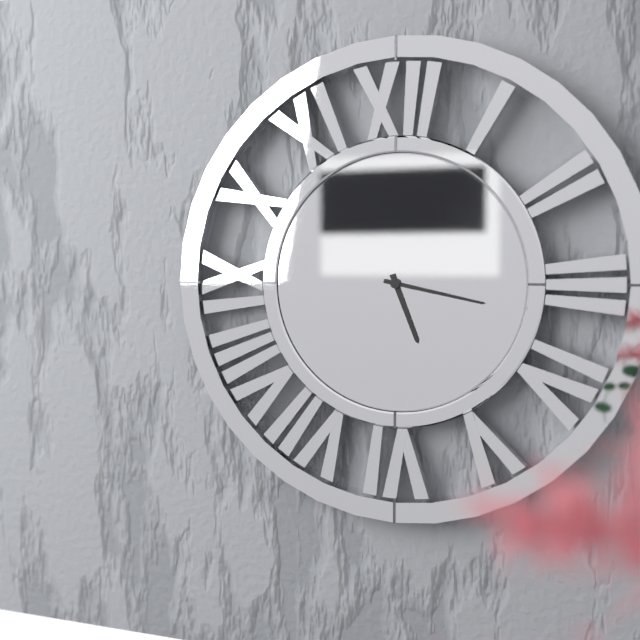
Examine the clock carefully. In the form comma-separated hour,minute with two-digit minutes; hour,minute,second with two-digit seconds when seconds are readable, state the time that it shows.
5,17
